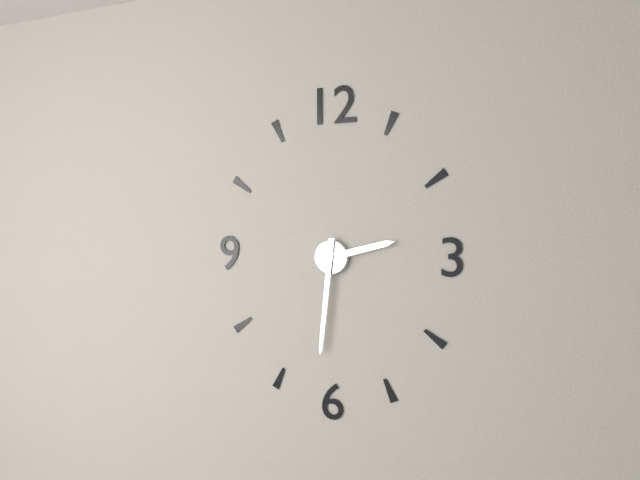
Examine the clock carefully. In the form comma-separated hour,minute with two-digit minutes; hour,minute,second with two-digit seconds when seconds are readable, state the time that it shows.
2,31
